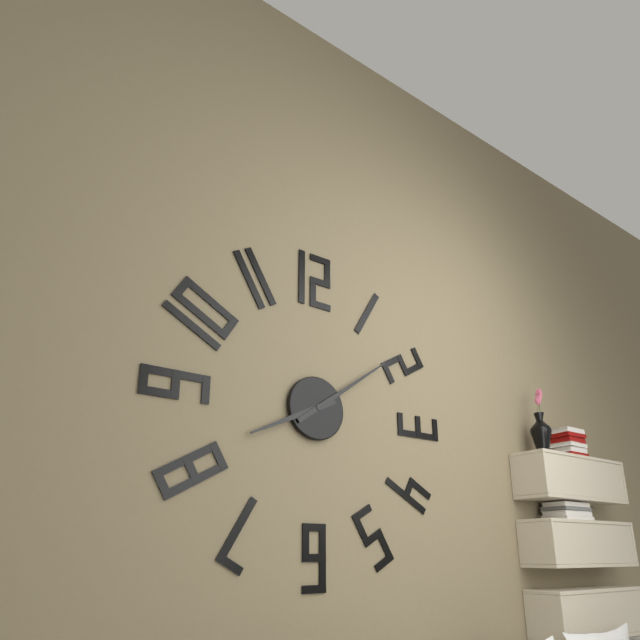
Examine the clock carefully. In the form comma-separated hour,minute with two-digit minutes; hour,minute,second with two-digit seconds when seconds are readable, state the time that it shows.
8,09
